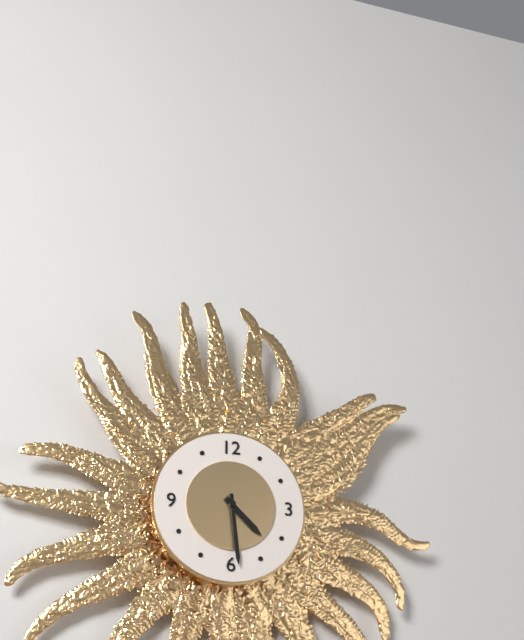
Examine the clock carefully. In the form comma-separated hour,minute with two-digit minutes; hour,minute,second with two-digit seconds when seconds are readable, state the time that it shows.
4,29
